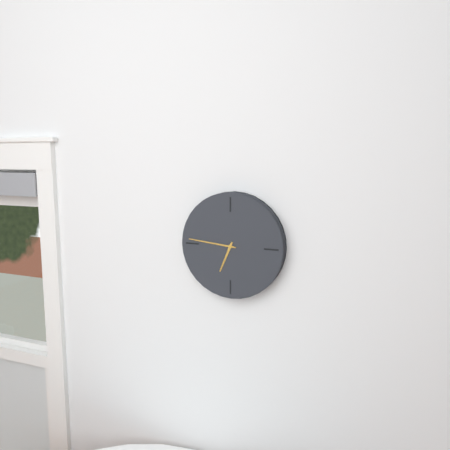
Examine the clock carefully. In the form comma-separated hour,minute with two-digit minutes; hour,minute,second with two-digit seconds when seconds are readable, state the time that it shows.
6,46
